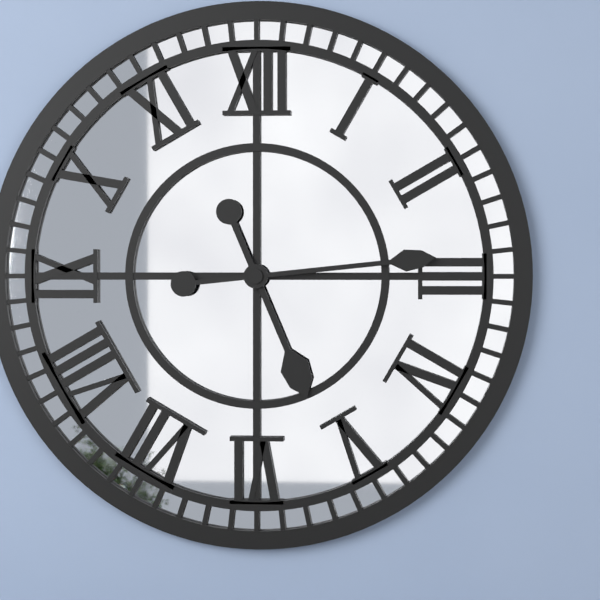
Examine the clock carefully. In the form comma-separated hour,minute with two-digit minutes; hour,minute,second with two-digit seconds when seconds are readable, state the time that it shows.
5,14
